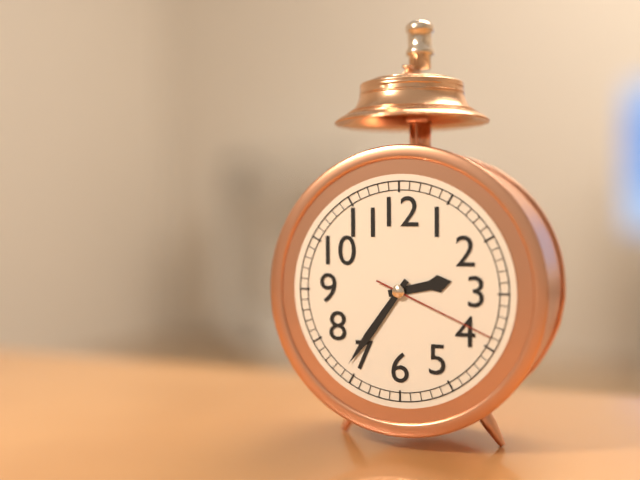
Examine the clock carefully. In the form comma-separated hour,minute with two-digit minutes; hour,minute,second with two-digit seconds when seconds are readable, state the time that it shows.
2,36,19
